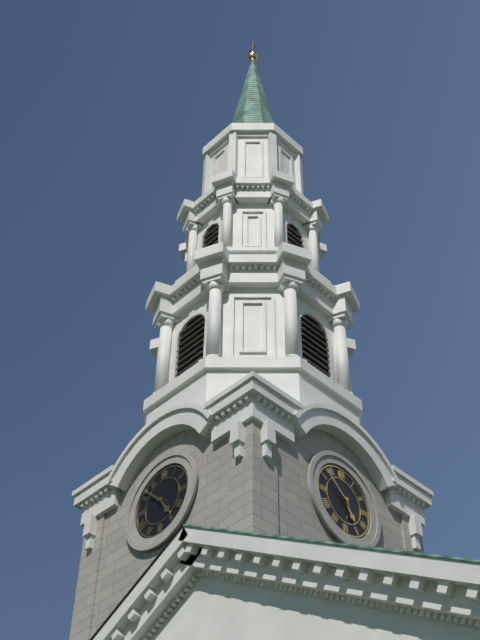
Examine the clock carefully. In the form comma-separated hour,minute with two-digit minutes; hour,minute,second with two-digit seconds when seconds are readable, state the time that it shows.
4,52
